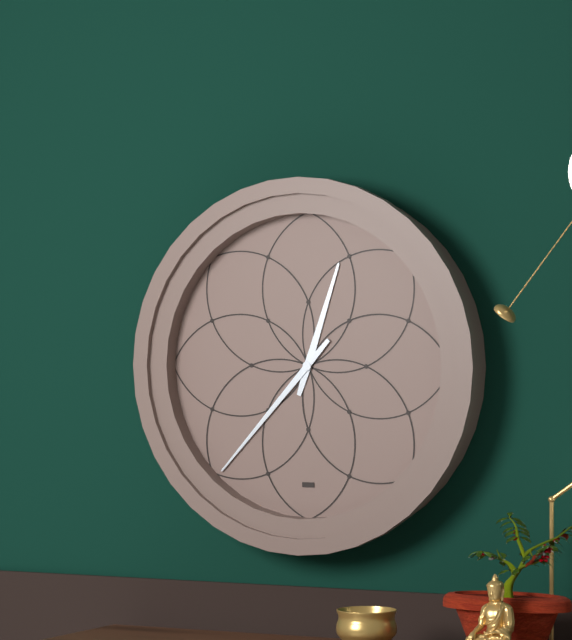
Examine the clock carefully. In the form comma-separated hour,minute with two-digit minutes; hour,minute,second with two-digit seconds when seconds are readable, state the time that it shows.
12,37
